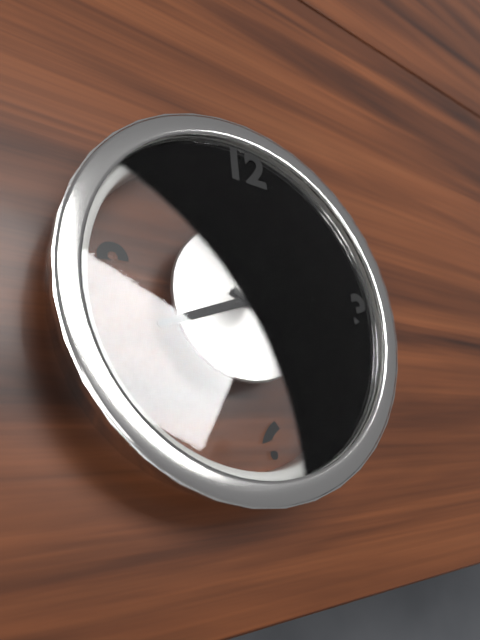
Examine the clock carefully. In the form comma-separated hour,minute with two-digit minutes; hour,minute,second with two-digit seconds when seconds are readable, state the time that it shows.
8,19
